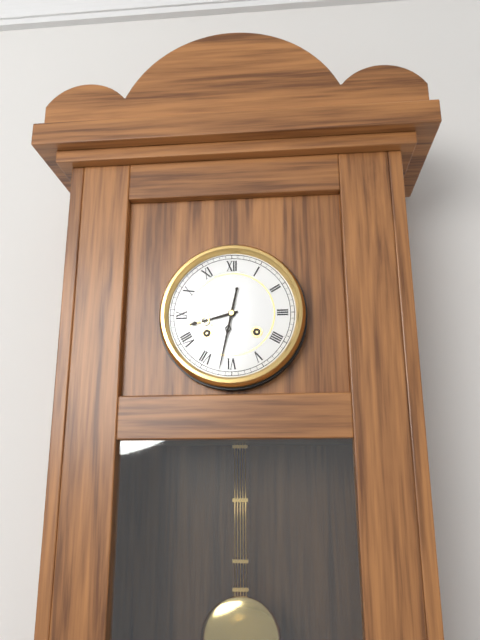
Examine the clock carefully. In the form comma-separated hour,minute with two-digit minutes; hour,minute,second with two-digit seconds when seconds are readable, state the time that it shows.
8,32
